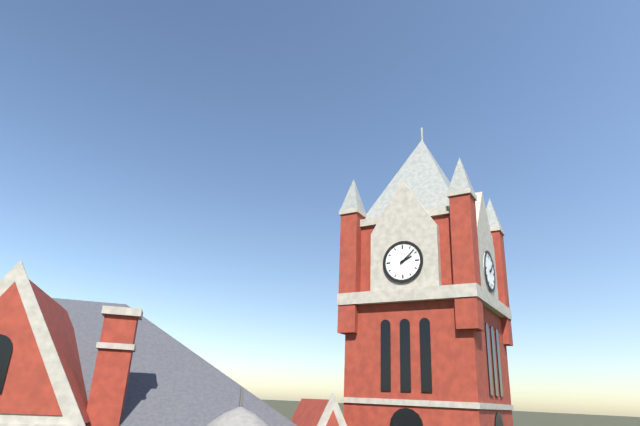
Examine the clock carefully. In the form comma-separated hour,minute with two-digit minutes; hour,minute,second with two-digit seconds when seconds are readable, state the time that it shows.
2,08
